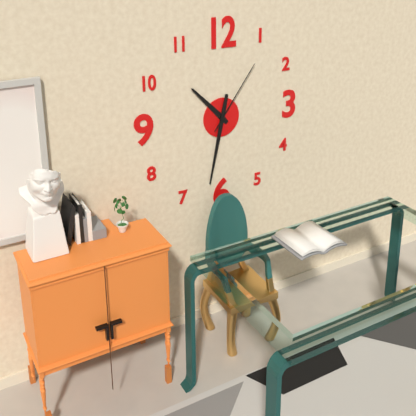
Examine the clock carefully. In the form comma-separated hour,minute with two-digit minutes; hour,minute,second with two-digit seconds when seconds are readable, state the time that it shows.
10,32,06
